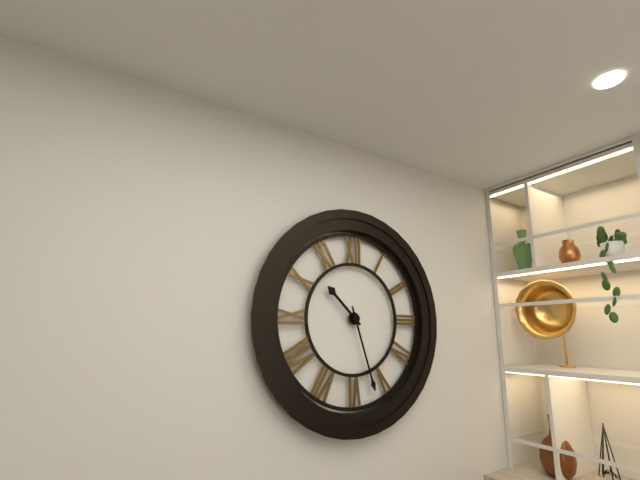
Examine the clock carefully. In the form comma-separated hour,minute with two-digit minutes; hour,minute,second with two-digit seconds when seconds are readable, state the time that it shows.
10,27
